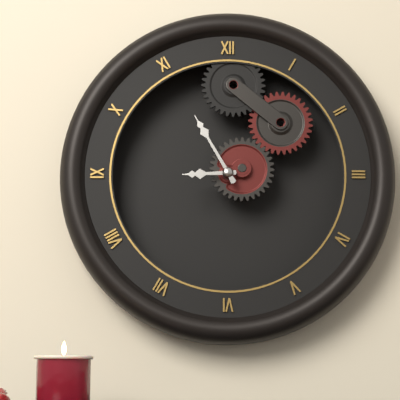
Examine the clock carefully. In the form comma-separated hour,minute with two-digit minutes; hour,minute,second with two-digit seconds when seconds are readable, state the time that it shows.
8,55
